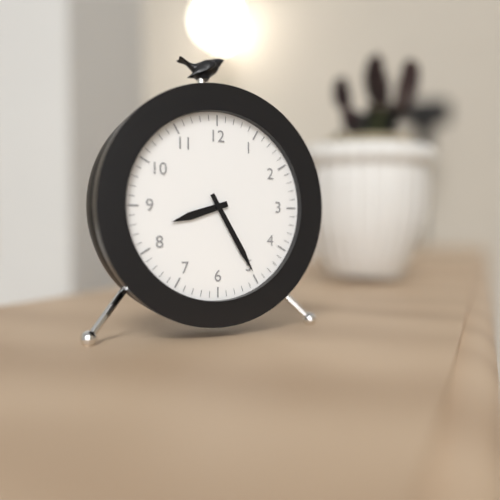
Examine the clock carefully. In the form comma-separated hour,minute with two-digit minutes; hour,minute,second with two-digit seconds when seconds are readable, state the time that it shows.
8,25
